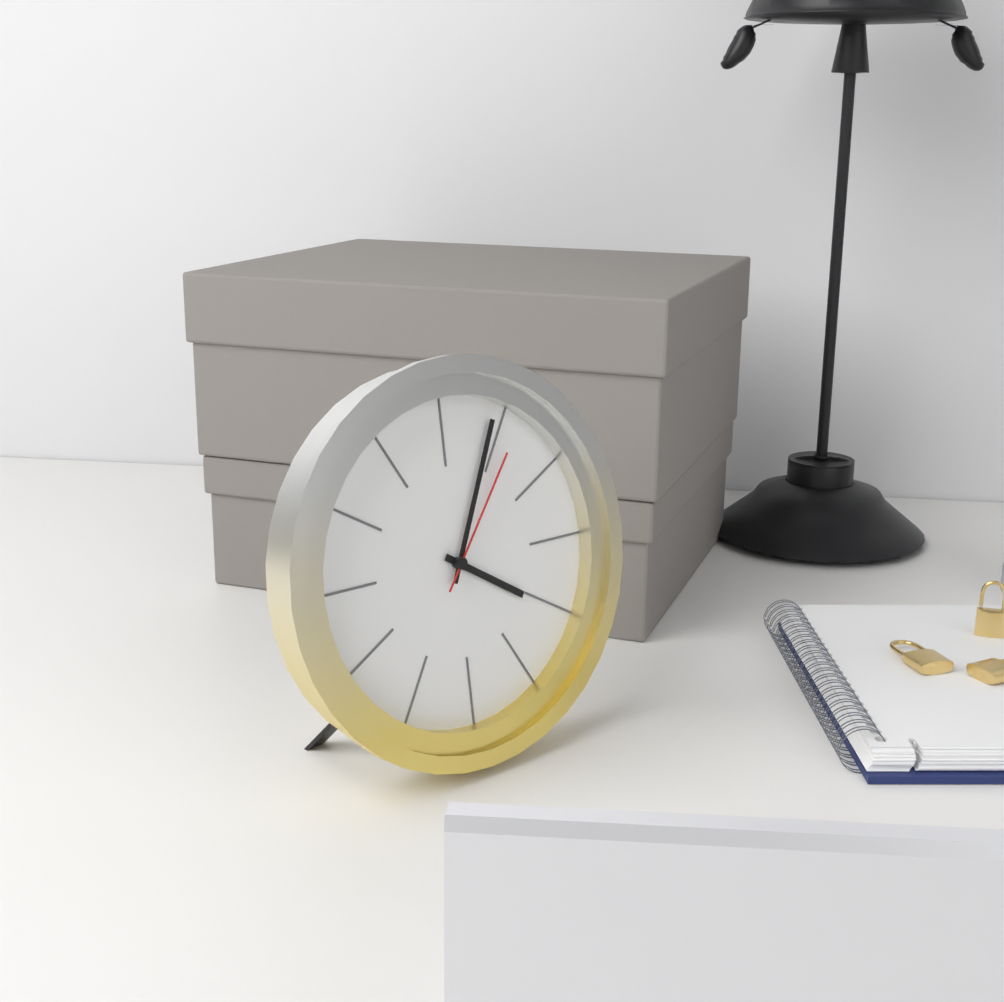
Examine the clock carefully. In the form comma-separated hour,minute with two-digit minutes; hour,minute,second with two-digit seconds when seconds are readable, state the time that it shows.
4,04,06
